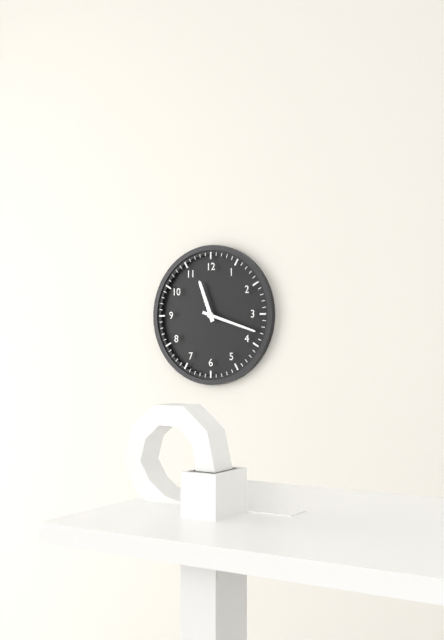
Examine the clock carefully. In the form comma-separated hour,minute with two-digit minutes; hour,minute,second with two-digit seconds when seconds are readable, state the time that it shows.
11,18
